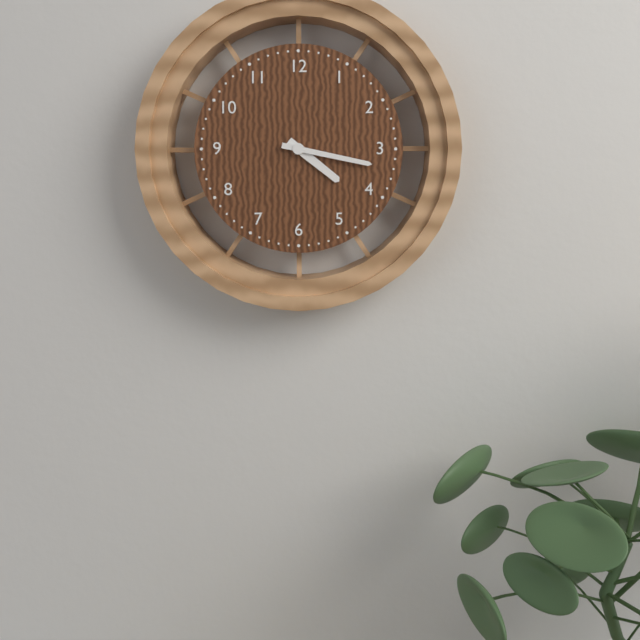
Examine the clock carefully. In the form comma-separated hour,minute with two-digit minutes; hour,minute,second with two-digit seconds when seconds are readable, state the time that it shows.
4,17
